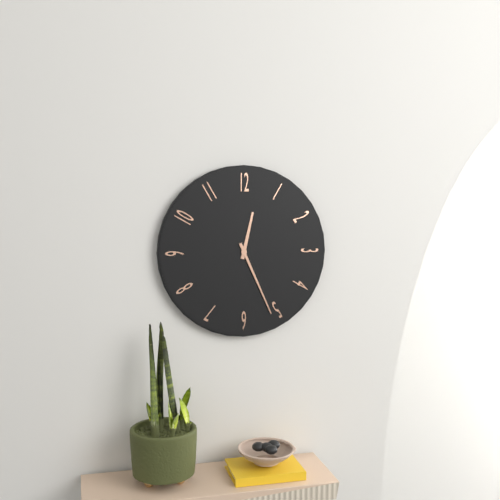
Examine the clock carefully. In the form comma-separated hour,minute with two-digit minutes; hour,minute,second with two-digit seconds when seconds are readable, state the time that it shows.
12,26
